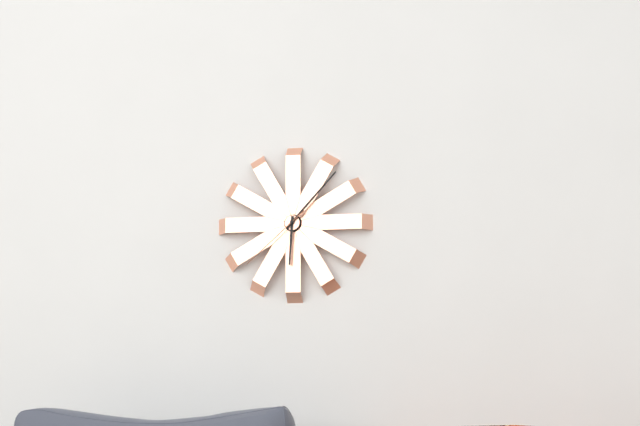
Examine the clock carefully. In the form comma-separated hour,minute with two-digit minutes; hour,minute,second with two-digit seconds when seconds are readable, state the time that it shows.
6,07,38
